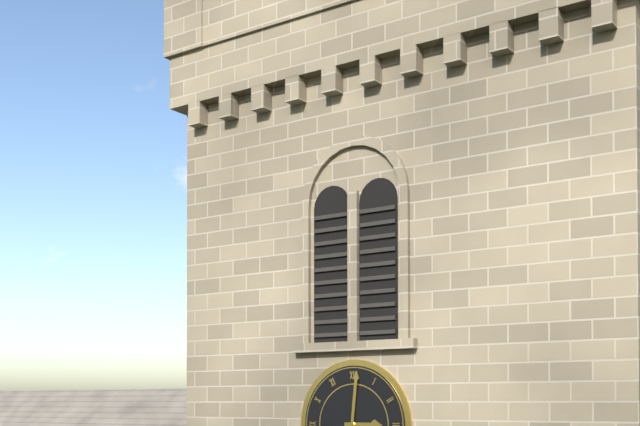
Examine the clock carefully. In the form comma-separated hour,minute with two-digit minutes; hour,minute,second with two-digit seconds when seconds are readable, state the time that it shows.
3,01
